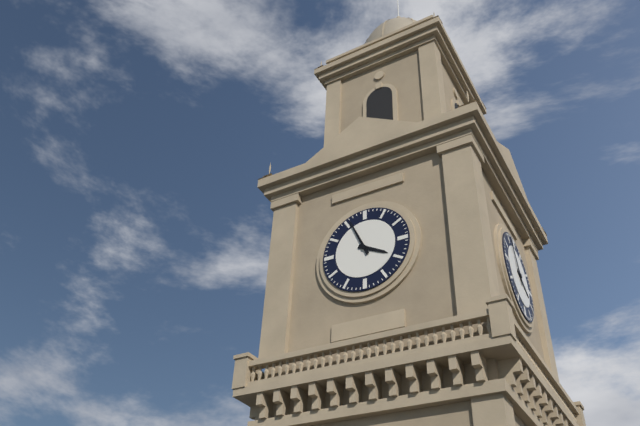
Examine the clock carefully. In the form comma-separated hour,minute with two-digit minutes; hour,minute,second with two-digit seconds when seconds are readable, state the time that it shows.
3,56
